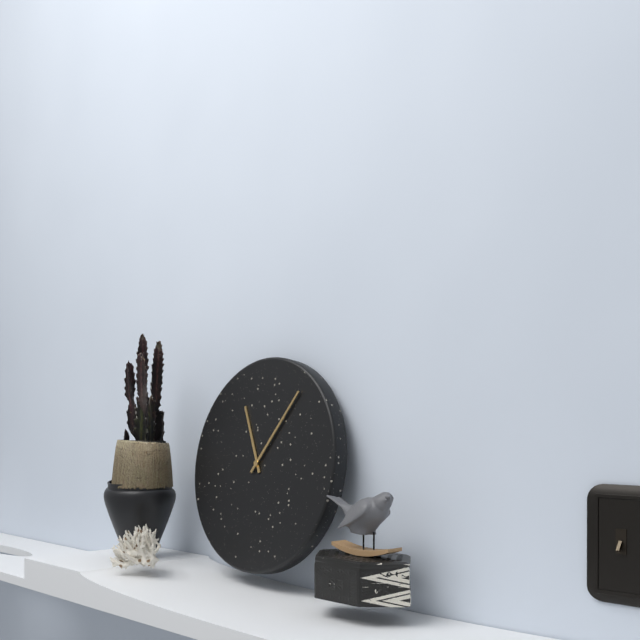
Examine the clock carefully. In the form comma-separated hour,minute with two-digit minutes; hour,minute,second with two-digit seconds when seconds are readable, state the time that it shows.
11,06
